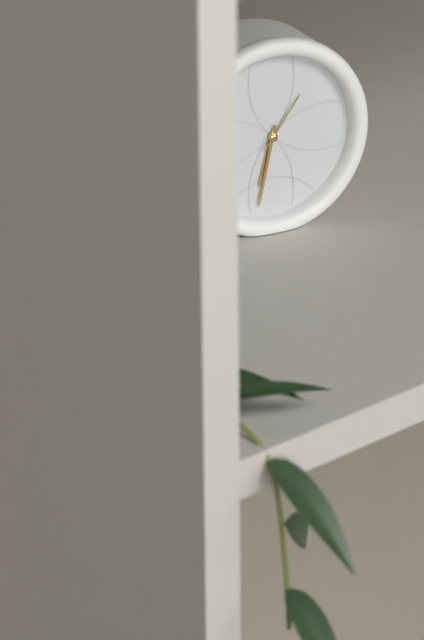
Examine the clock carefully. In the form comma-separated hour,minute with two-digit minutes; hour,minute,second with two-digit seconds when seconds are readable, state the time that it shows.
6,32,06
